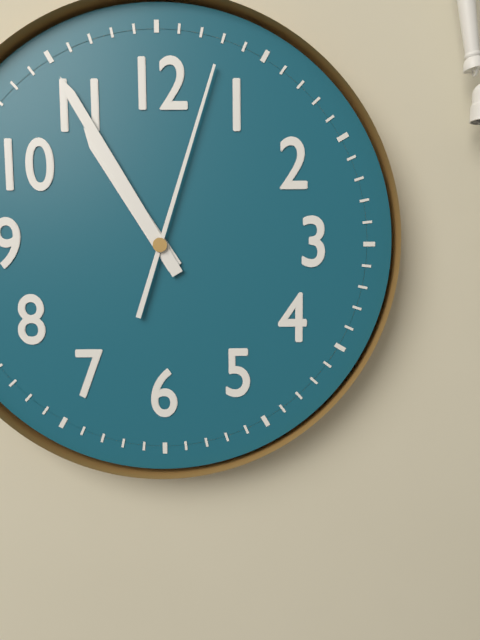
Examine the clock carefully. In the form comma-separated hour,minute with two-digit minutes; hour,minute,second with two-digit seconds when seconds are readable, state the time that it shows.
10,55,03
